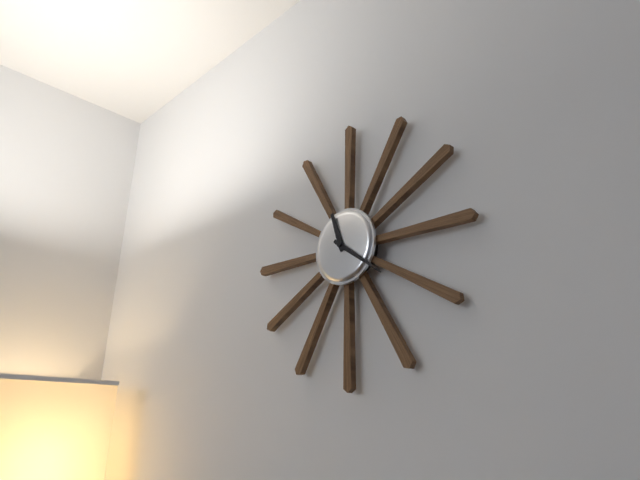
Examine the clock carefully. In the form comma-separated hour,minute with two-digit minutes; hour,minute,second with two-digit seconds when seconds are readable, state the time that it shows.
11,21
